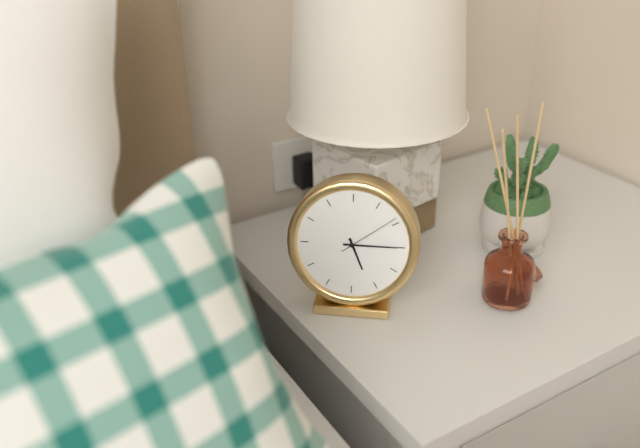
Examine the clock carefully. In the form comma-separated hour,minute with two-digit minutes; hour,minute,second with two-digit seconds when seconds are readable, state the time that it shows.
5,15,09
